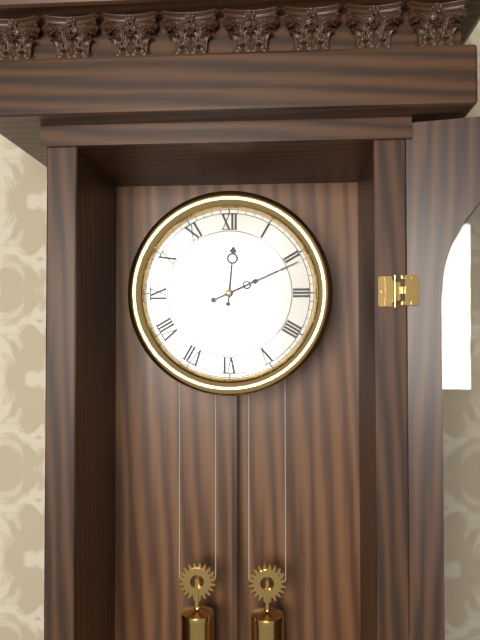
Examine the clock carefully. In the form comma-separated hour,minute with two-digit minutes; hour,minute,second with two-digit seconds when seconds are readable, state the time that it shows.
12,11
